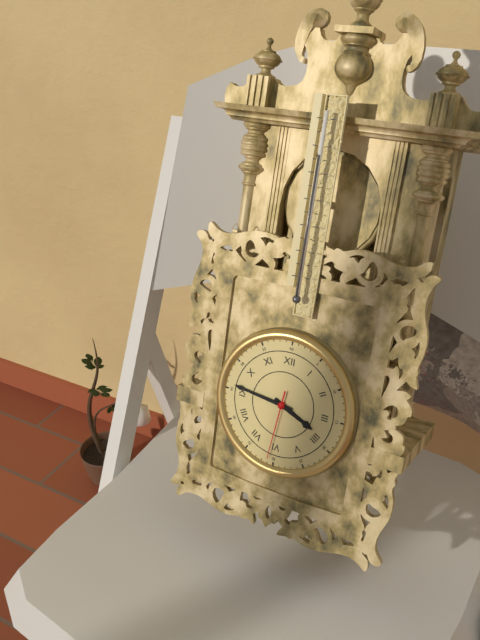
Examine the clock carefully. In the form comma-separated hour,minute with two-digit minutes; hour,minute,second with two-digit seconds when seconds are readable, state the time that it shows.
3,46,31
